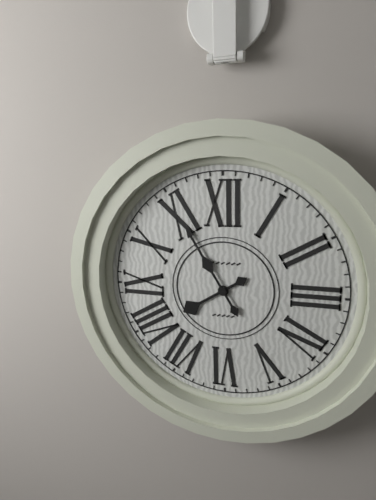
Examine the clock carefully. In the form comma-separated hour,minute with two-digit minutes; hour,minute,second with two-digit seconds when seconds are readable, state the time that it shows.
7,55
